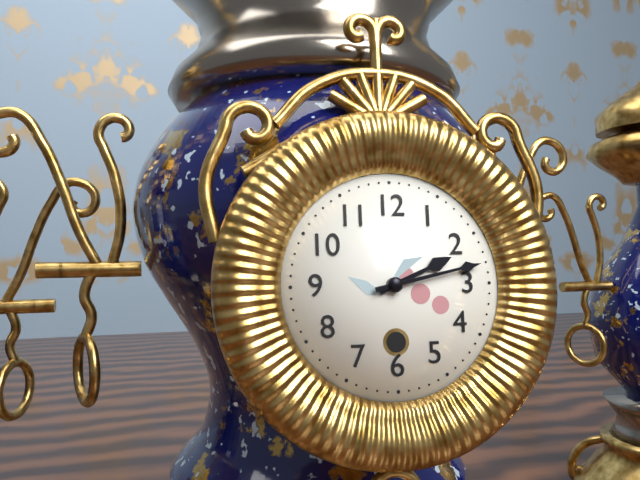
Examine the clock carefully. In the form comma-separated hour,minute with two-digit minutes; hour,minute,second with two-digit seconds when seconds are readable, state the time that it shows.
2,13
